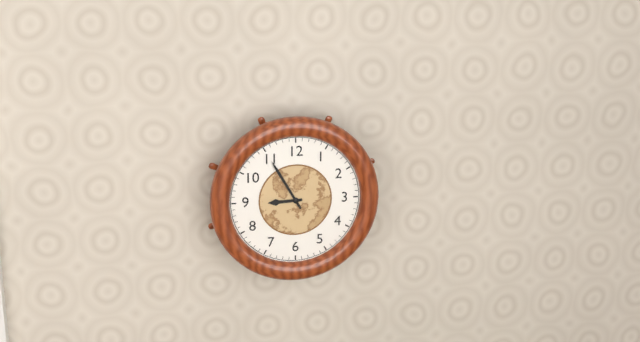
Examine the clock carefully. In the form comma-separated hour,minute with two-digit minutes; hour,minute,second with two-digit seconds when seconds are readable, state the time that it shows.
8,55
